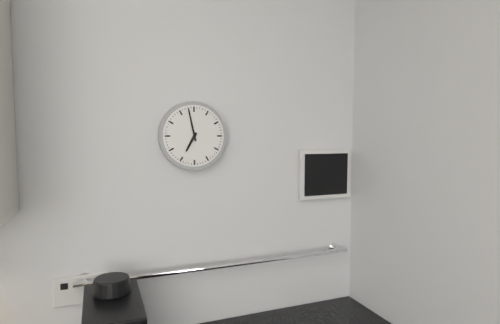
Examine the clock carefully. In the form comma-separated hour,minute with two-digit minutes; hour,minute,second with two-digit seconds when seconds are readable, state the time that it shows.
6,58
